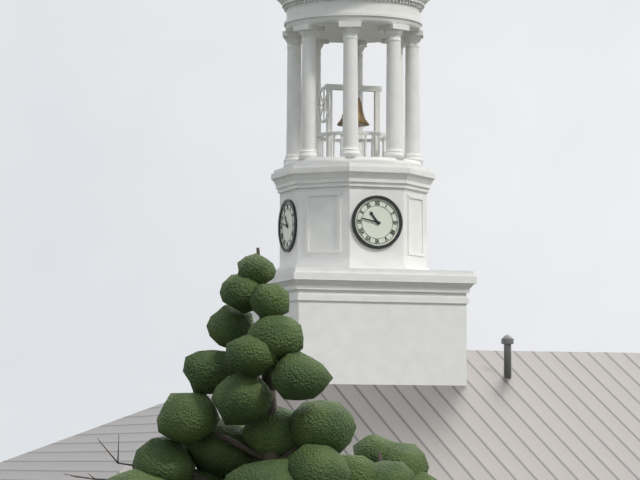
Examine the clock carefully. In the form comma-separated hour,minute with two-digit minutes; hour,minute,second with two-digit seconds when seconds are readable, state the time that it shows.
10,47
